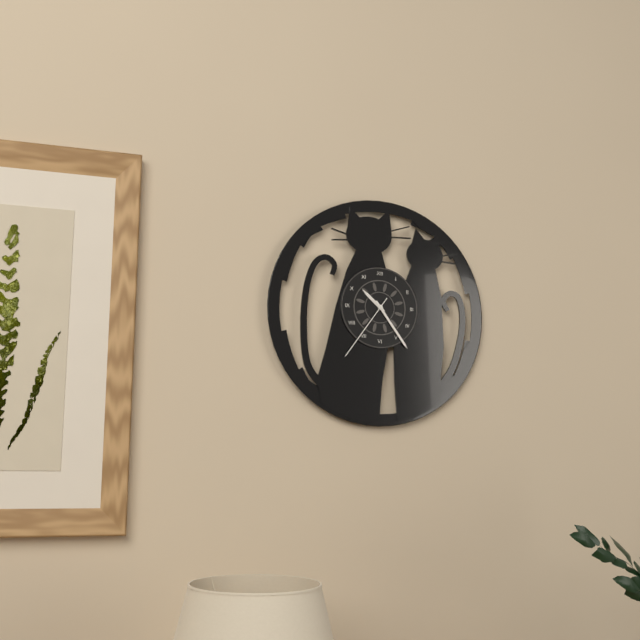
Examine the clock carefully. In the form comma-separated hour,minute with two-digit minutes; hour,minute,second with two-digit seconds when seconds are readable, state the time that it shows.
10,24,36
